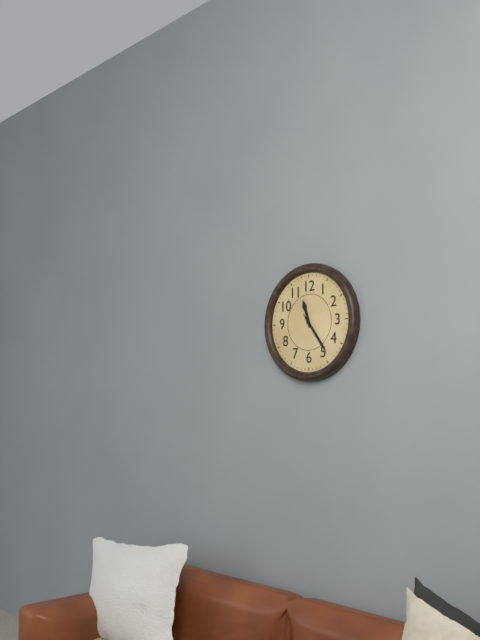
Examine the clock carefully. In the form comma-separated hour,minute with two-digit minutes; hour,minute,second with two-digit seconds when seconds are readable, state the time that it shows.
11,24
